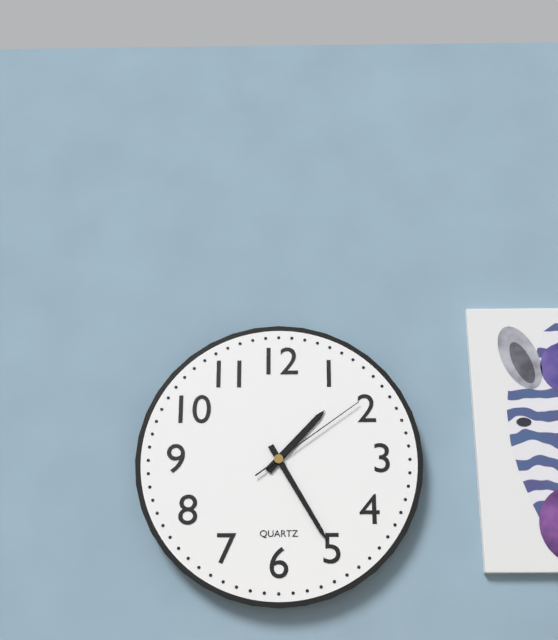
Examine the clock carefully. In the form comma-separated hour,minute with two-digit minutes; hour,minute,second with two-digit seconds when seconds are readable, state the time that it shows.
1,25,09
